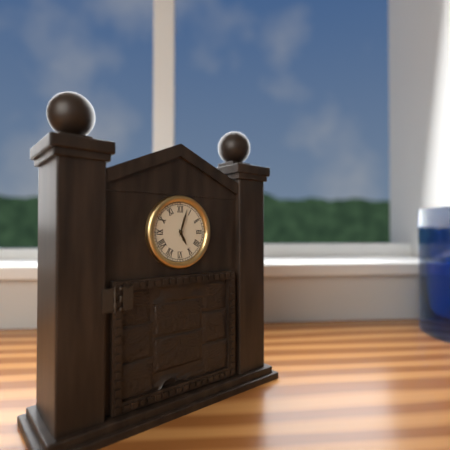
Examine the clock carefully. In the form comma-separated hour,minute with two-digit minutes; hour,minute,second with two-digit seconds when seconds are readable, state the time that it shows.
5,03
